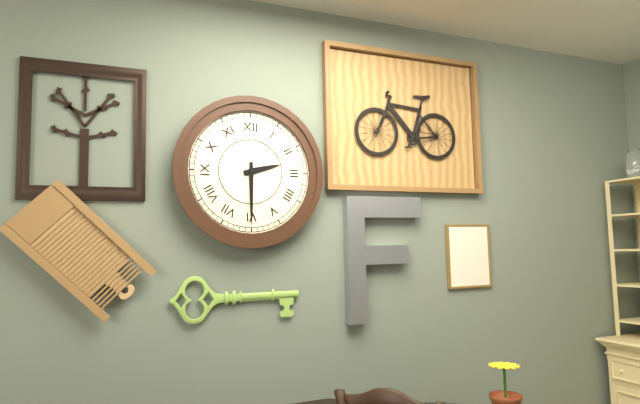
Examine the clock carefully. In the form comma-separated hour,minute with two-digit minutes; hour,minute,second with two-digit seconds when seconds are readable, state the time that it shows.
2,30
